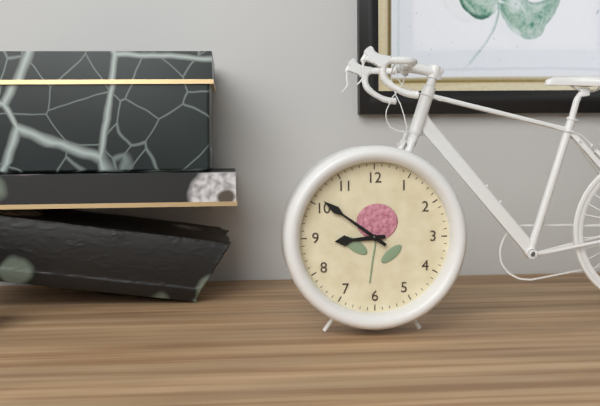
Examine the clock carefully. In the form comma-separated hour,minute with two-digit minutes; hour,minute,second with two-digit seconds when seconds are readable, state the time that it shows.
8,51
